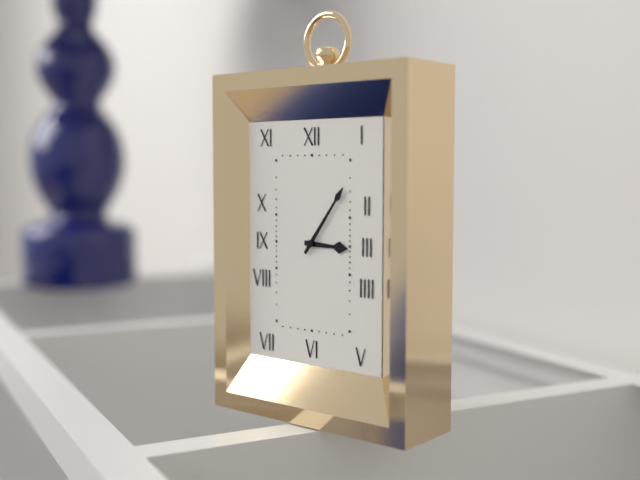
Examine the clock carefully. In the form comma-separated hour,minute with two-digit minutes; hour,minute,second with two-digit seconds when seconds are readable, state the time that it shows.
3,06
